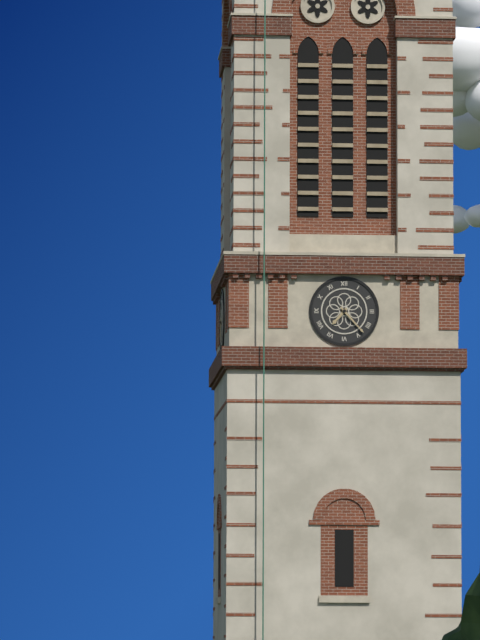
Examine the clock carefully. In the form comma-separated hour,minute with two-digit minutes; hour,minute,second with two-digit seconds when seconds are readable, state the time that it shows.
7,23
